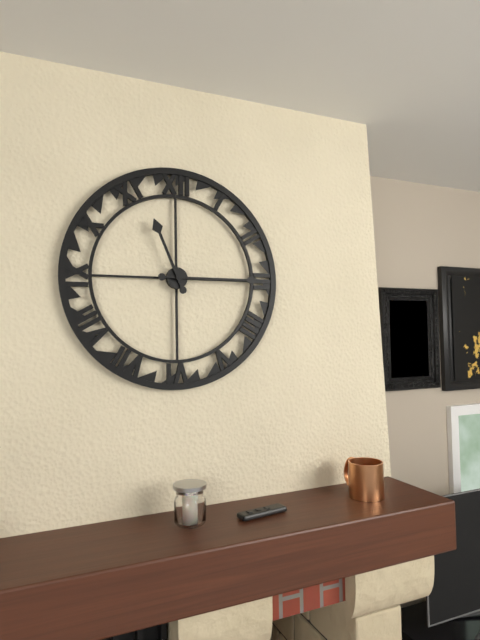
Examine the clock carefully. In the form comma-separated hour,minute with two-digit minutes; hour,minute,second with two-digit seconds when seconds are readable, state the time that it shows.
11,15
